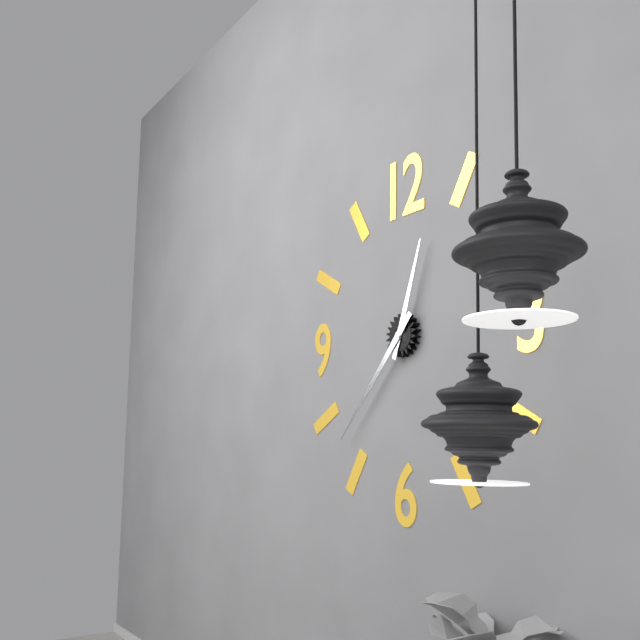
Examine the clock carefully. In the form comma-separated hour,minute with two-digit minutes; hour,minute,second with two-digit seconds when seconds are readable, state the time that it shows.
12,37
